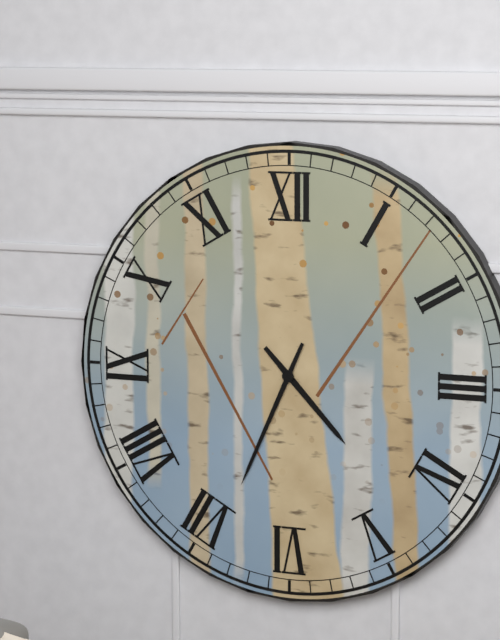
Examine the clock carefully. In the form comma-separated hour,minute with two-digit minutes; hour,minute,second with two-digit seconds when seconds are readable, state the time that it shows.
4,34
